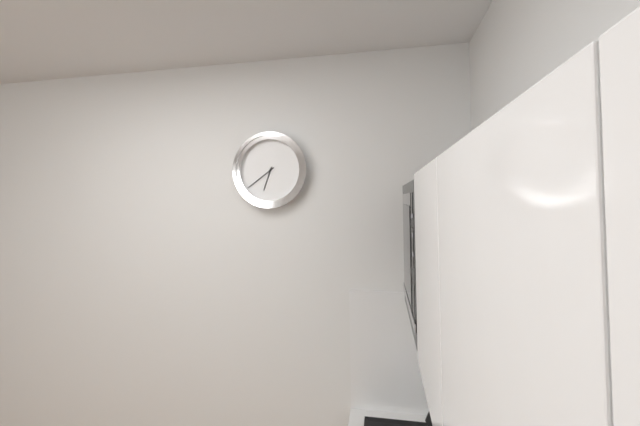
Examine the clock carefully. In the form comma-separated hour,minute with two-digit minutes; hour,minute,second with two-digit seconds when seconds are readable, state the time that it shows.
6,39
